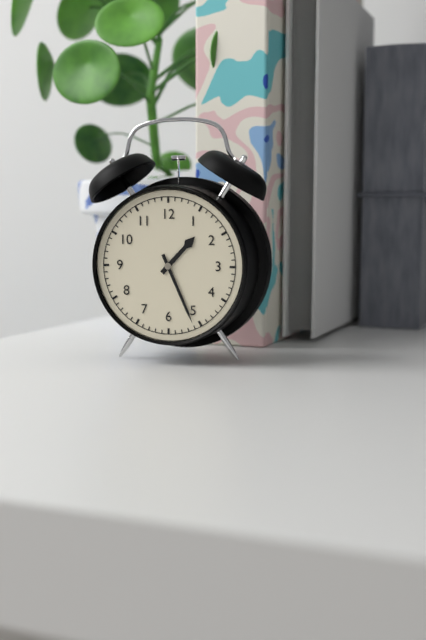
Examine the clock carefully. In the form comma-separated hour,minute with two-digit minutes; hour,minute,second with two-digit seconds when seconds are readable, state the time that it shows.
1,26
